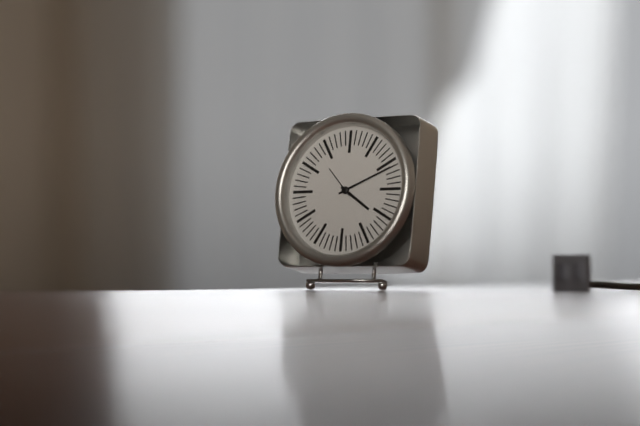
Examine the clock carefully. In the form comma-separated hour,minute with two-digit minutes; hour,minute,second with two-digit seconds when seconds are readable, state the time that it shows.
4,11
